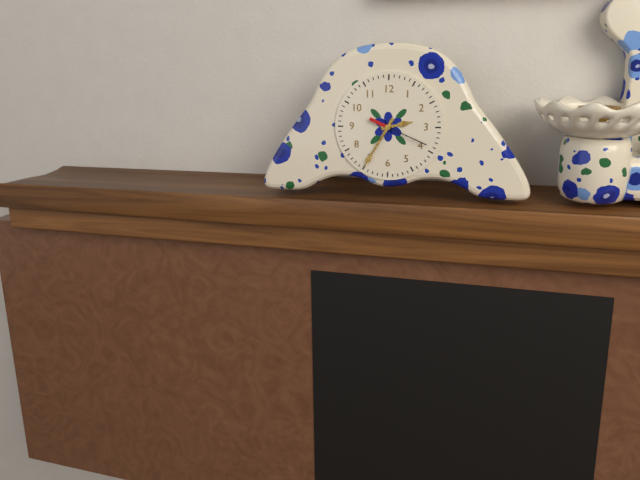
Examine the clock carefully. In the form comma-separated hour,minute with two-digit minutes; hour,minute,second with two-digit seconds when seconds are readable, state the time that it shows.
2,35,19
